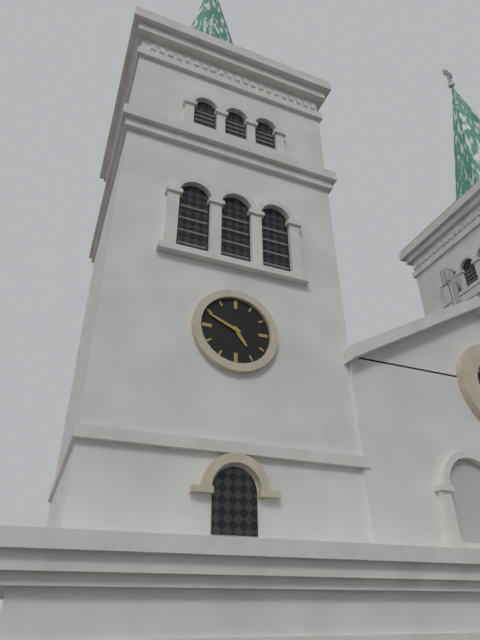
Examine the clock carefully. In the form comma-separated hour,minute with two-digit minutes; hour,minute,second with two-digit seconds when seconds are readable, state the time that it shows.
4,49
